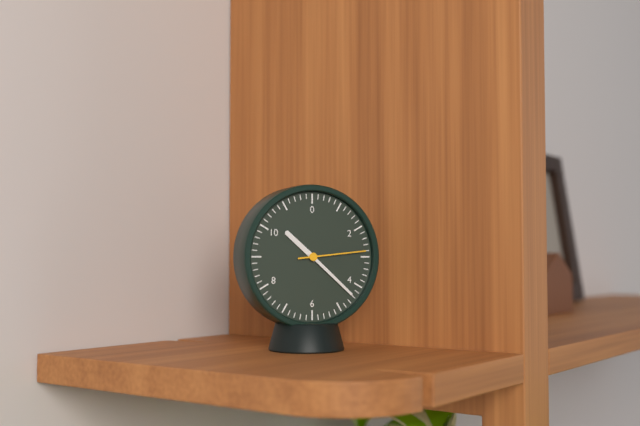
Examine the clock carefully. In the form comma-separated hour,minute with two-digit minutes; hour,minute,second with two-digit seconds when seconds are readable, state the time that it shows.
10,22,14
